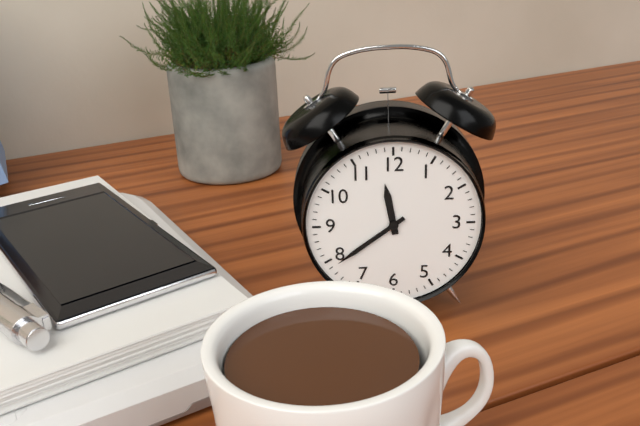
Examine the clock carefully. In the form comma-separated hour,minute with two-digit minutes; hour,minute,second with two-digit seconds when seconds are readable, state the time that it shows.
11,39
